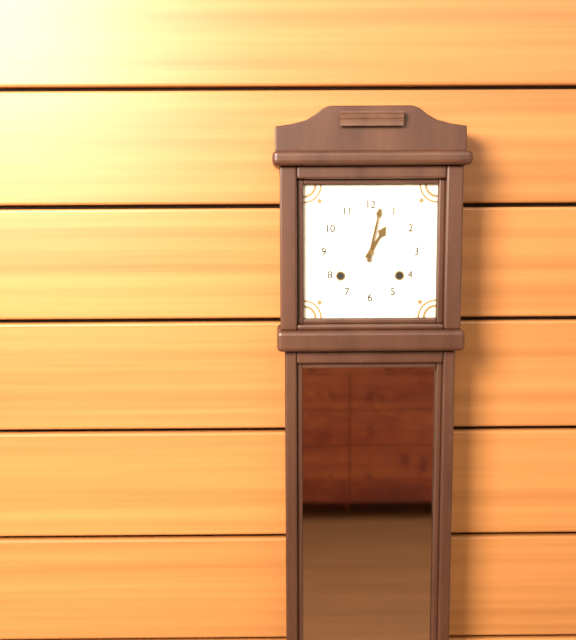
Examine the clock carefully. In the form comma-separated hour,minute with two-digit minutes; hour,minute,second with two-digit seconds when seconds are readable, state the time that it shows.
1,02
